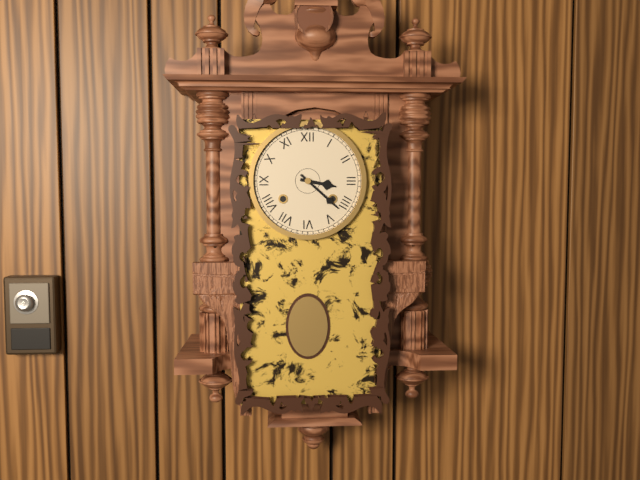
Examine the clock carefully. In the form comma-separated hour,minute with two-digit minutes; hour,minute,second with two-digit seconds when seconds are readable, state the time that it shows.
3,22
